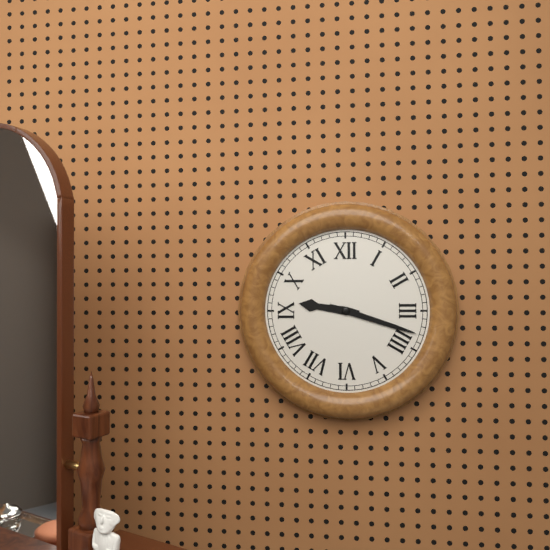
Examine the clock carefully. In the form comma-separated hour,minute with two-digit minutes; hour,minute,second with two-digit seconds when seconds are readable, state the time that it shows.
9,18
